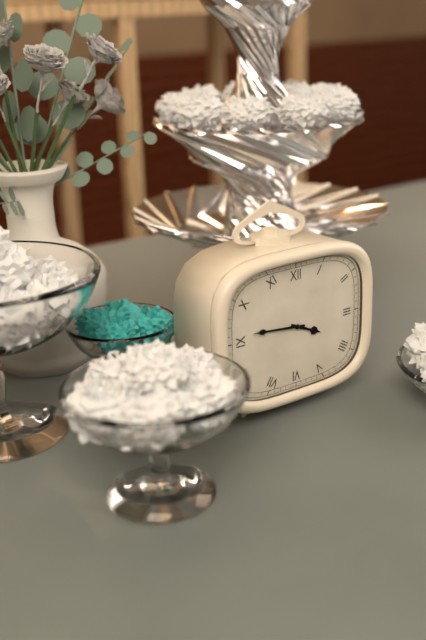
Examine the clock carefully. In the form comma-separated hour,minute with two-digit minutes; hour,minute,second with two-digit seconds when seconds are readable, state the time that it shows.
3,46
